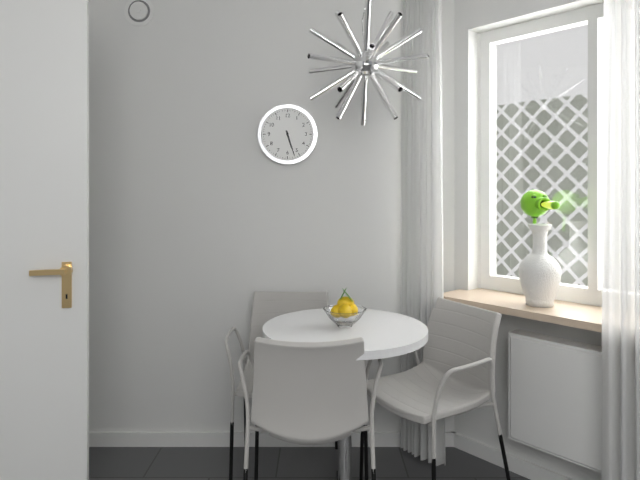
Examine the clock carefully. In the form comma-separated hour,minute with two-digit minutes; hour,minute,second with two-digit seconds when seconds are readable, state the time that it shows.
5,27
